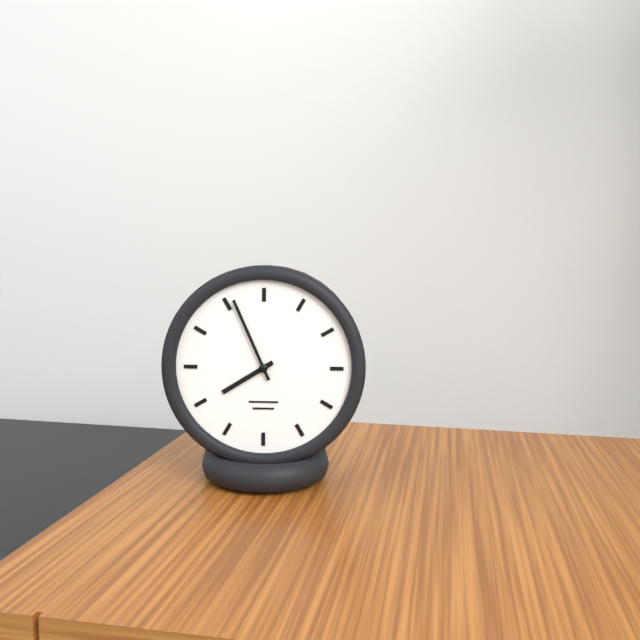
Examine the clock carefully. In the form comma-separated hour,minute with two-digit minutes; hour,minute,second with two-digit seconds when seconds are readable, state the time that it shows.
7,56
